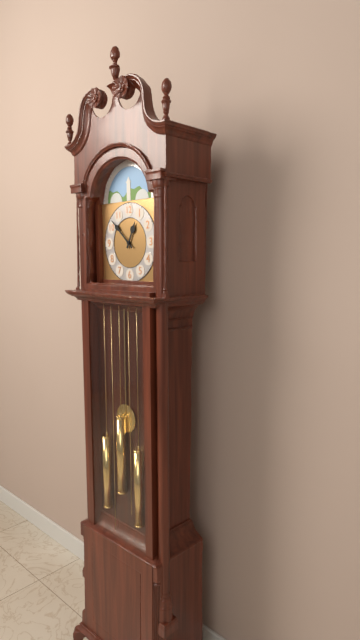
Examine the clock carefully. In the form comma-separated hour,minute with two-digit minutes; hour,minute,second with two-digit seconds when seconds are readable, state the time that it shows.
12,52
